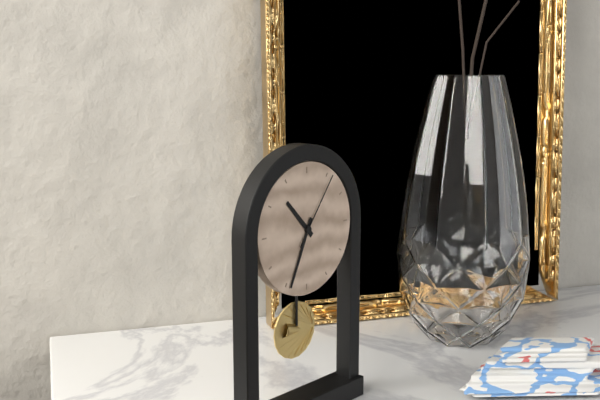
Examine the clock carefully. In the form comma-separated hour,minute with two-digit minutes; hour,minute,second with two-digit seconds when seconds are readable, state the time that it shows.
10,34,06
